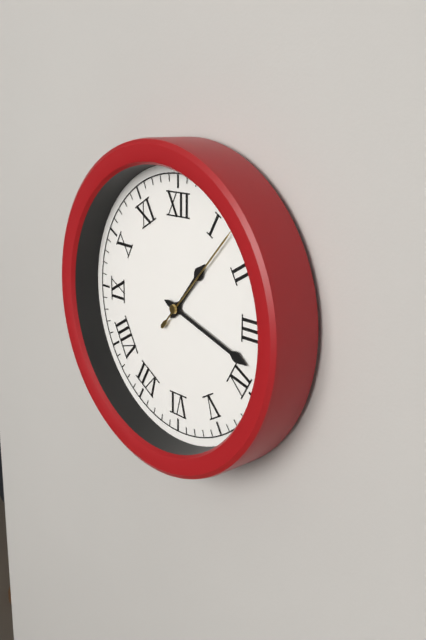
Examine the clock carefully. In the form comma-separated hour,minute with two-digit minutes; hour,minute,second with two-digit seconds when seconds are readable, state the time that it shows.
1,18,07
